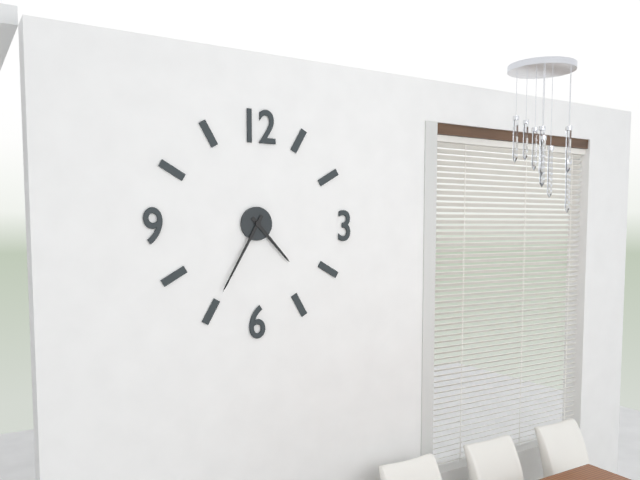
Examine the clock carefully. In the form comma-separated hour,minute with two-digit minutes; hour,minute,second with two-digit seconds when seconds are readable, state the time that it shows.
4,35
